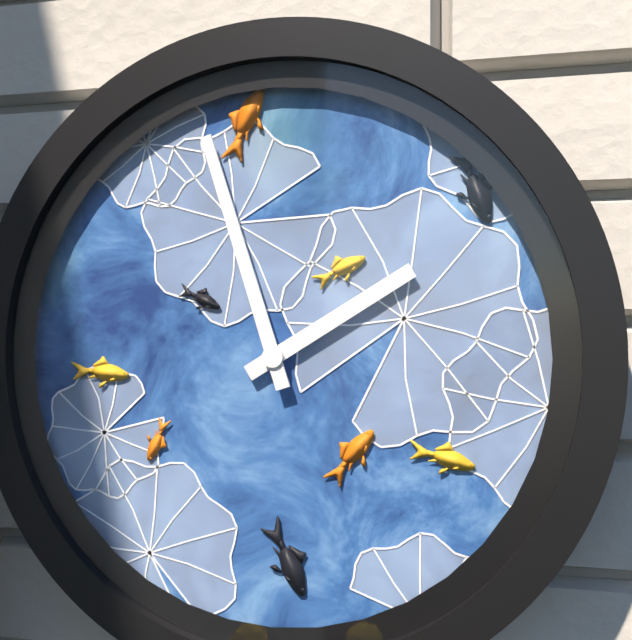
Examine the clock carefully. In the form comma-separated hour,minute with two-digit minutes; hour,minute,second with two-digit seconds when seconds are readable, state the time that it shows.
1,57
